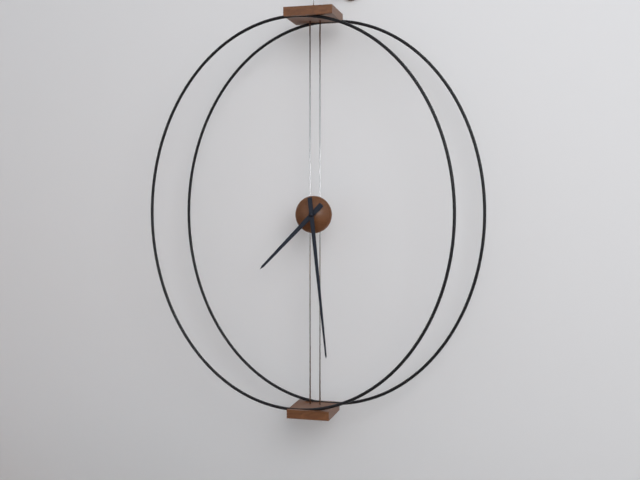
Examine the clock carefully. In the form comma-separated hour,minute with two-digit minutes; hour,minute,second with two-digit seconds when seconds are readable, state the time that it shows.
7,29
